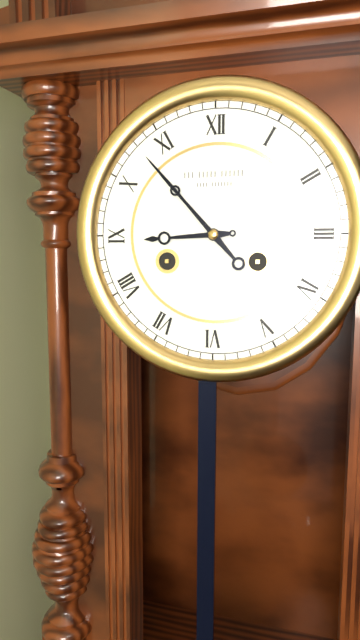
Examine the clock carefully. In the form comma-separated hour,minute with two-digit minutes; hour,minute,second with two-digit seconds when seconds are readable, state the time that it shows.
8,53
